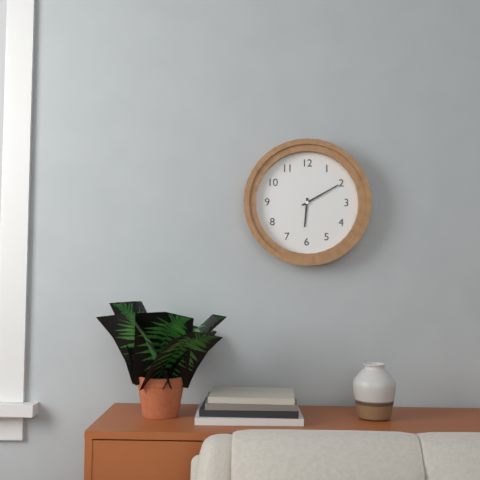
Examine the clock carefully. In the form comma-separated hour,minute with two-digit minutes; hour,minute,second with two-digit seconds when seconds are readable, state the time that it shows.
6,10
